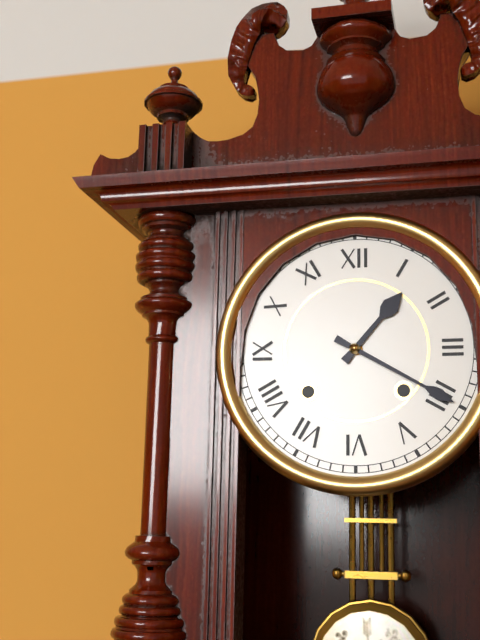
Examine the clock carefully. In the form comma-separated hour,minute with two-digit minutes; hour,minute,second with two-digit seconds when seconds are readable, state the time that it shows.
1,20
